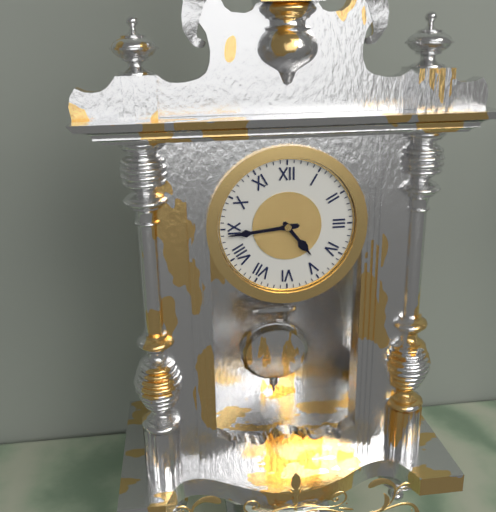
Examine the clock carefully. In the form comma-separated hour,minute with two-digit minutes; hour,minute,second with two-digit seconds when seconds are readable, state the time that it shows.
4,44
